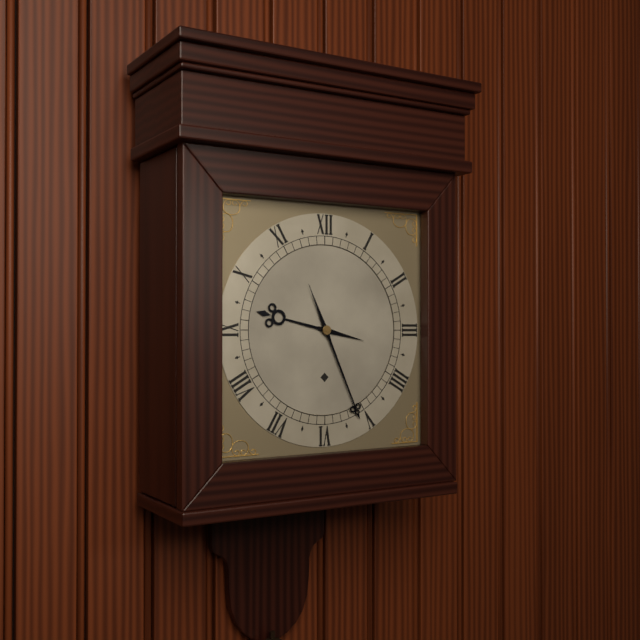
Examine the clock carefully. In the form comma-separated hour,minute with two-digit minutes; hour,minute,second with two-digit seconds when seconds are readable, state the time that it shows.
9,26
